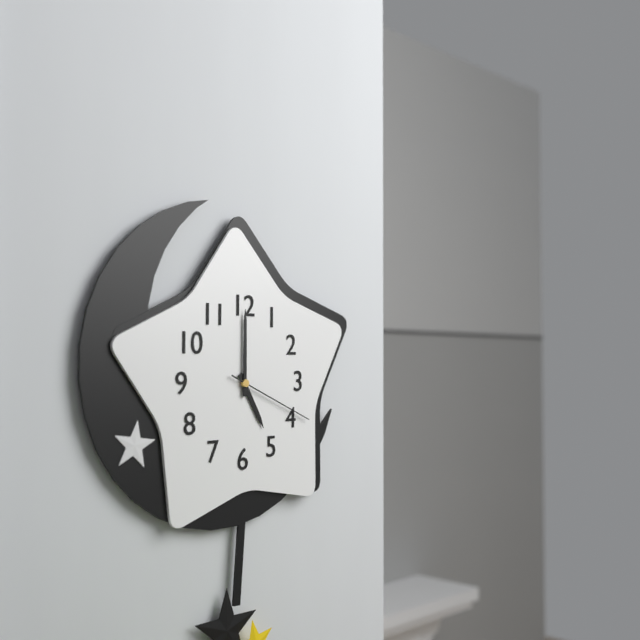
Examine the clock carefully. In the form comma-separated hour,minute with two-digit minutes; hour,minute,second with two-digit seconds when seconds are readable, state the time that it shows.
5,00,19
